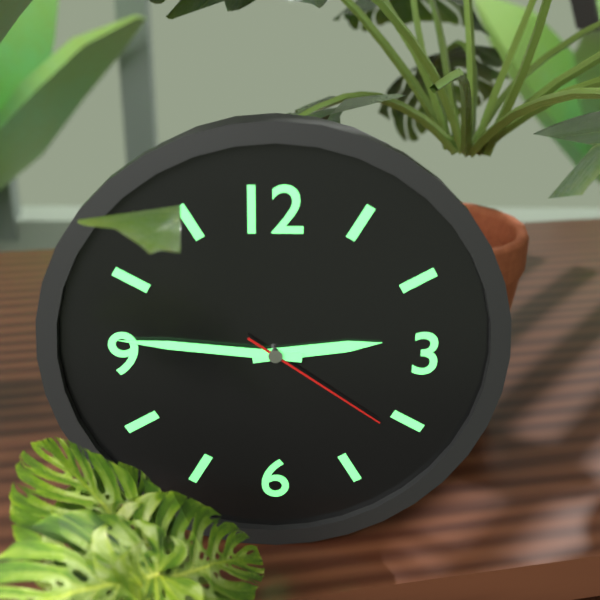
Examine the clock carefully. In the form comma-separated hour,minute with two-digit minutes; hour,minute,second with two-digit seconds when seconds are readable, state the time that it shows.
2,46,21
